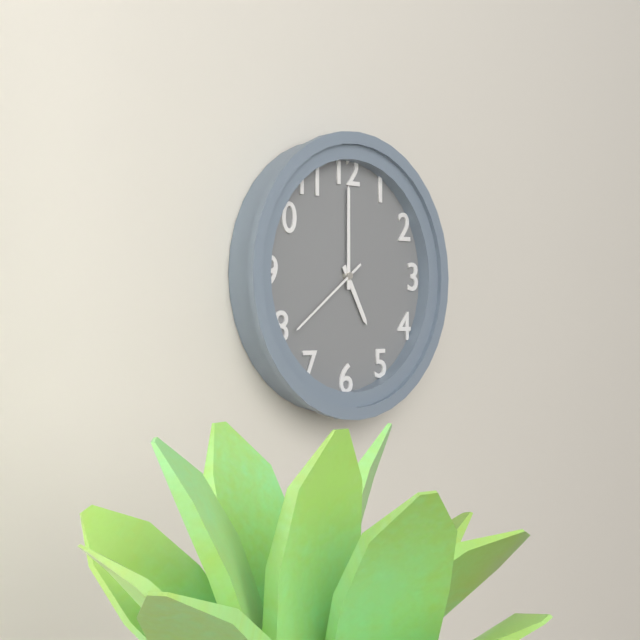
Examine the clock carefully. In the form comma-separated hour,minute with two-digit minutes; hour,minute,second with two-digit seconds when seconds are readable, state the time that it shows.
5,00,39
